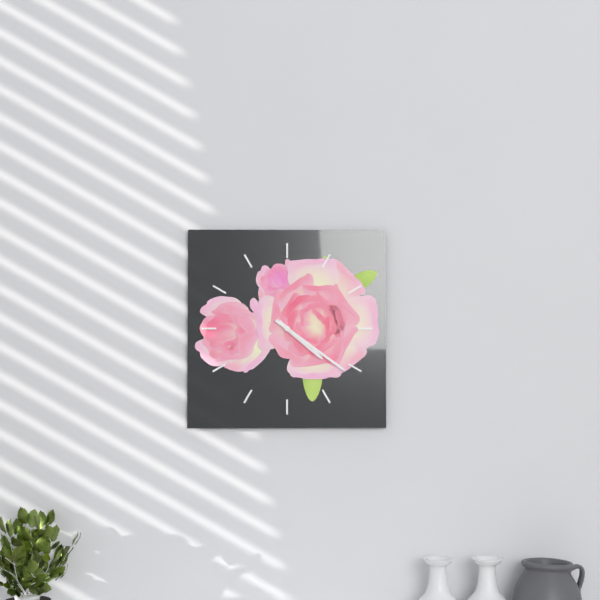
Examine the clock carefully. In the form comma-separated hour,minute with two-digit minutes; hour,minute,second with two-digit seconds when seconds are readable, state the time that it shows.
4,21
